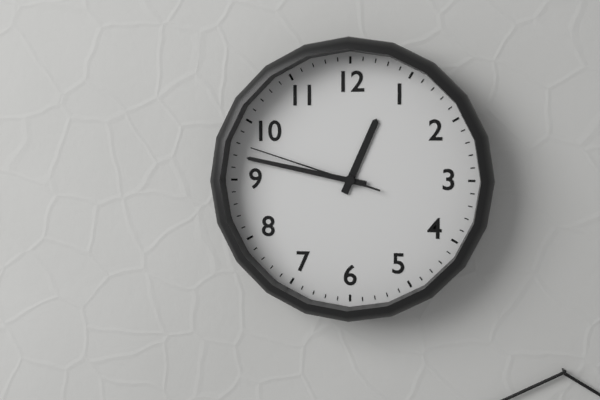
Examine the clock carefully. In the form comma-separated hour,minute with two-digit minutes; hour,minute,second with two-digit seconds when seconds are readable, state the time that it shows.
12,47,48
